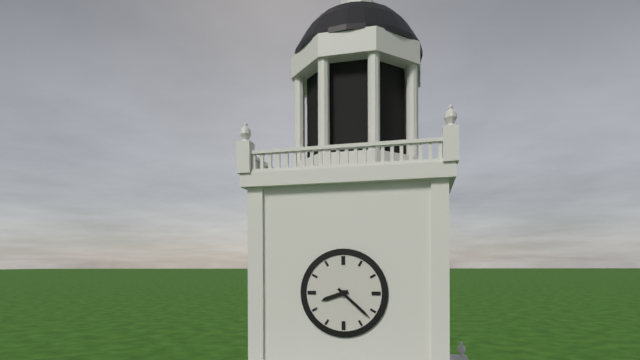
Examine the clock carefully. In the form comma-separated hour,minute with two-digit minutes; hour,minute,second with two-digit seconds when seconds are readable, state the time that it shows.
8,22
